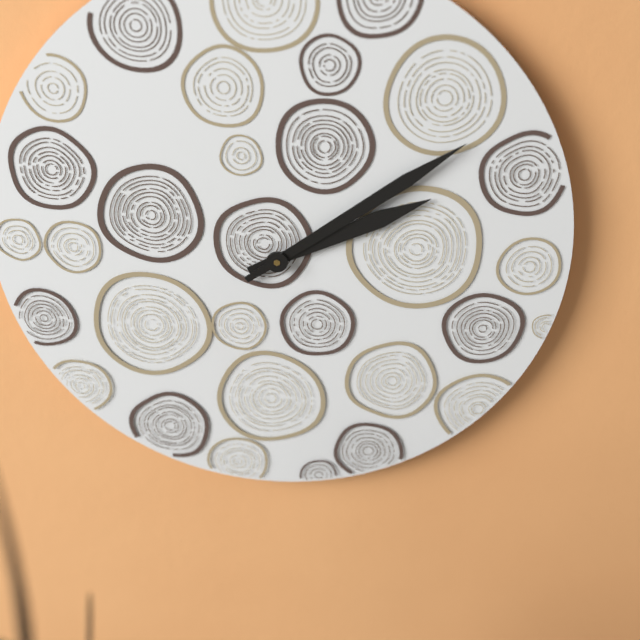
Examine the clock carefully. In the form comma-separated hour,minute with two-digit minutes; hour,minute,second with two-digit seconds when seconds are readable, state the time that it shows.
2,09
